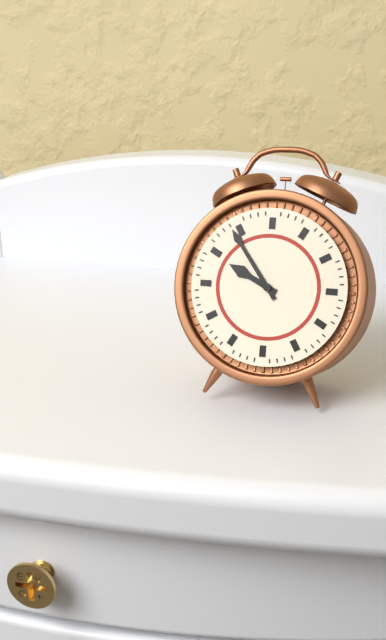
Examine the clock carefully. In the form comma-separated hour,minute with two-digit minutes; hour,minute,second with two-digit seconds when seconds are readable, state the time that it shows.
9,54
